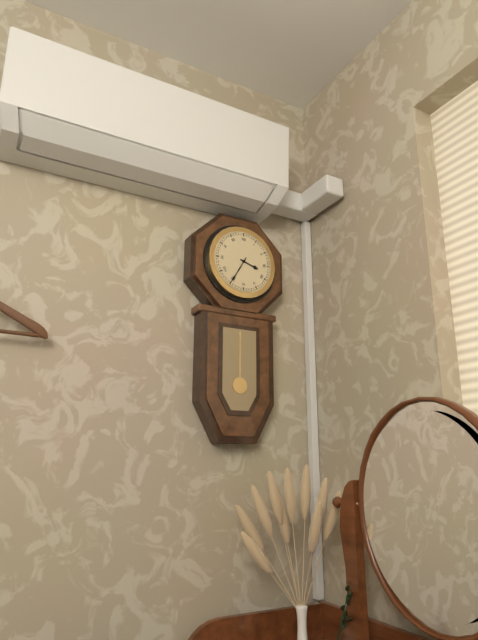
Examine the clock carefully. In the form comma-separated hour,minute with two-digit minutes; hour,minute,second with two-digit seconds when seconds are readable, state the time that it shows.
3,35
